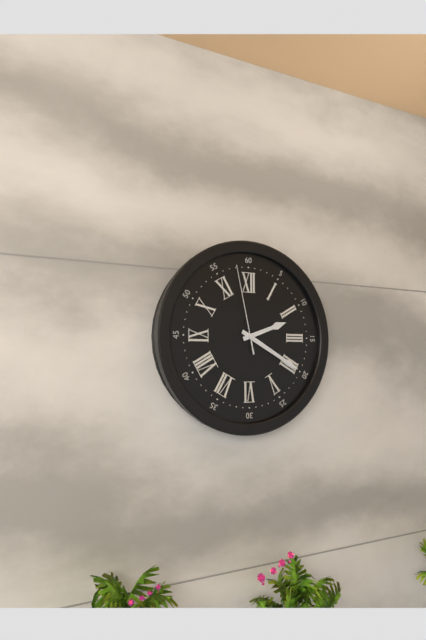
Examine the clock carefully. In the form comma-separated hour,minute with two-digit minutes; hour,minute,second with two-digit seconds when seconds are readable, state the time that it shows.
2,20,58
